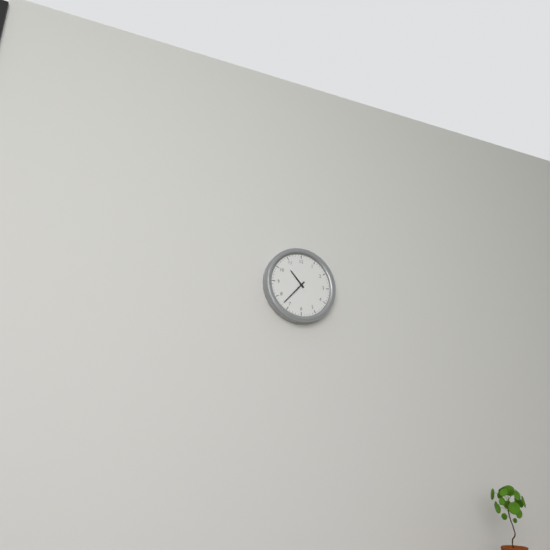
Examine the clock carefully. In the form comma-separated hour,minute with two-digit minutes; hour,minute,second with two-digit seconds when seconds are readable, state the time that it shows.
10,37
